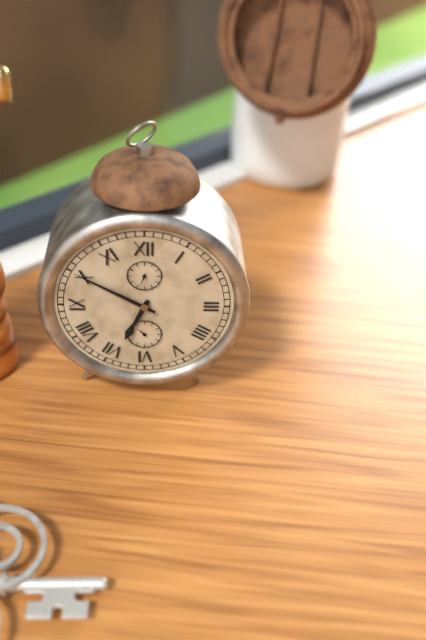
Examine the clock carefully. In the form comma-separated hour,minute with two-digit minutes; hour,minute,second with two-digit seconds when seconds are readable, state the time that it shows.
6,50
